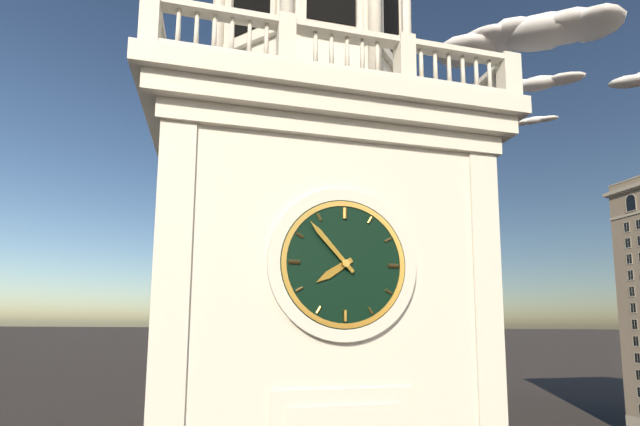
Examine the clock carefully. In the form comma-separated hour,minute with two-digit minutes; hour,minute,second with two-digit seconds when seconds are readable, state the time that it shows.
7,53
